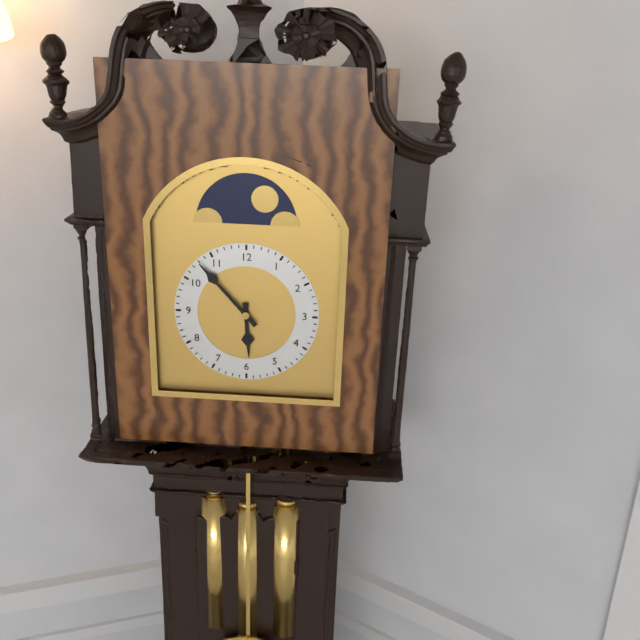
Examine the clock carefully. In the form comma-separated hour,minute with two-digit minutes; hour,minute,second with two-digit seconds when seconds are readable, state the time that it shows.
5,53
